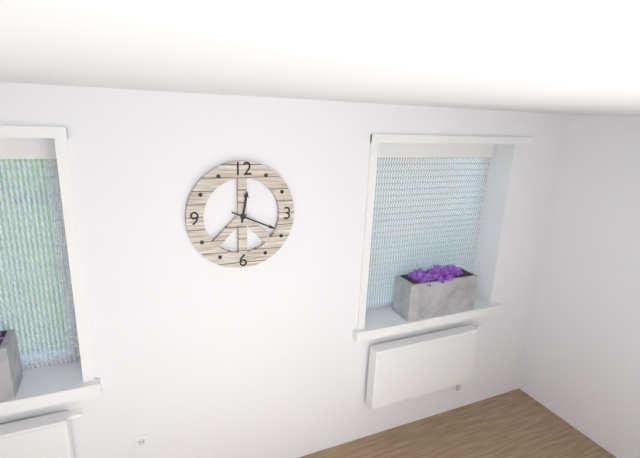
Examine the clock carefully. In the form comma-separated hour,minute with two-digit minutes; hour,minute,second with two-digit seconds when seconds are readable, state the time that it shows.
12,19
